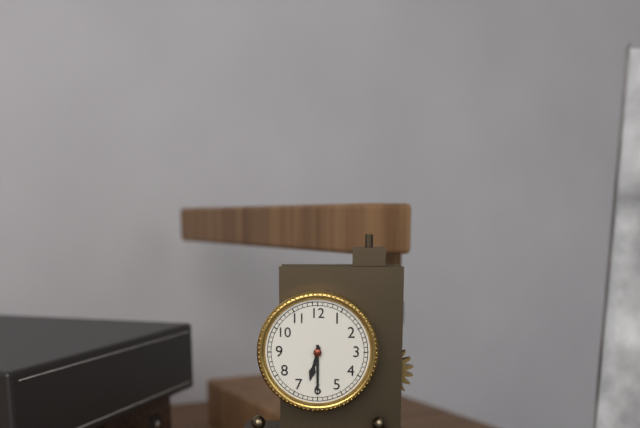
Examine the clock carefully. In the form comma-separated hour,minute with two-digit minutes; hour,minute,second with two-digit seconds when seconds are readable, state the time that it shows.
6,30
